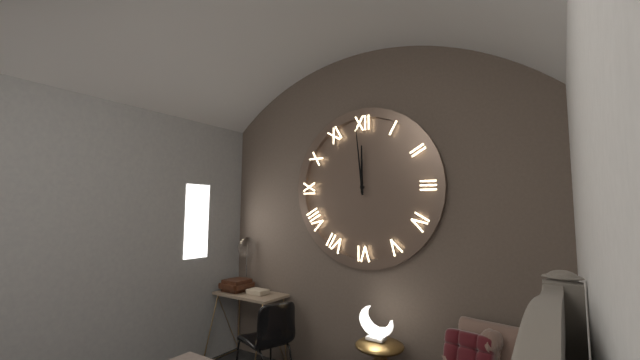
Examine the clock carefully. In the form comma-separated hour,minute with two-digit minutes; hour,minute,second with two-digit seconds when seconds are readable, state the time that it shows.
11,59
